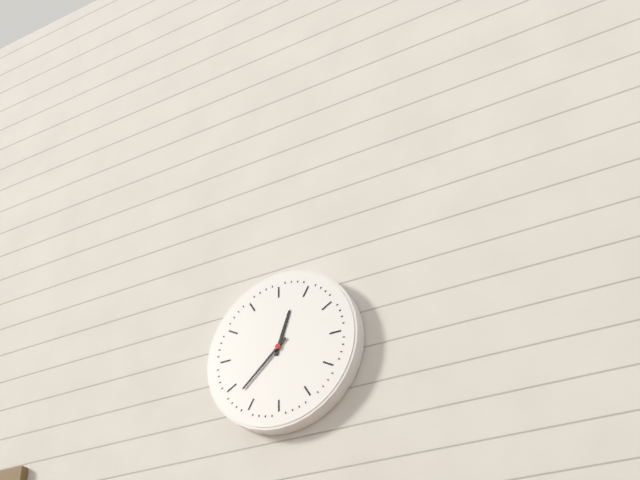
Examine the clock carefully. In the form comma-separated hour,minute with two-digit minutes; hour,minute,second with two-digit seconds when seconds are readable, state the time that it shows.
12,38
